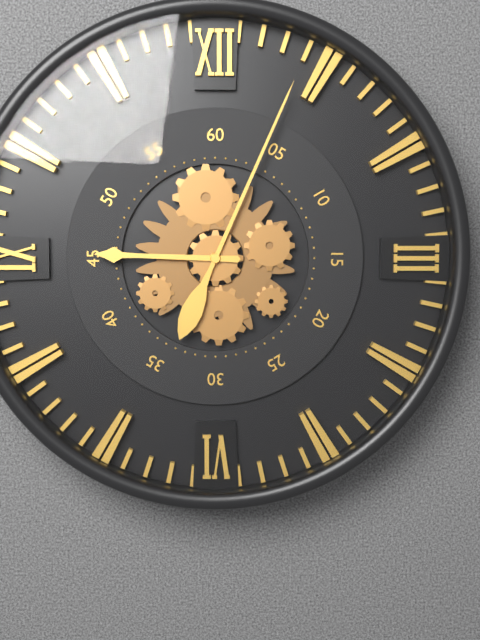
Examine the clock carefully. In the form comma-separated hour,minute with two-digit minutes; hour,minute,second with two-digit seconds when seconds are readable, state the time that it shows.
9,04
